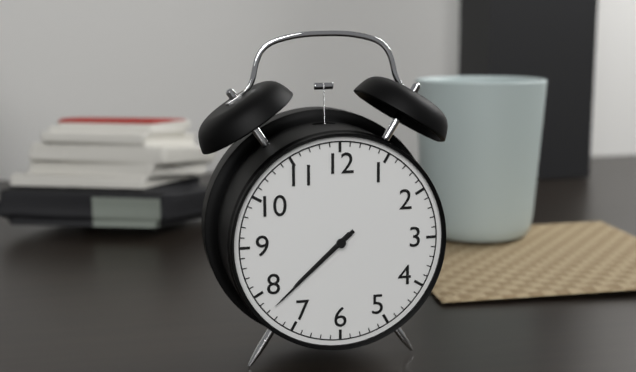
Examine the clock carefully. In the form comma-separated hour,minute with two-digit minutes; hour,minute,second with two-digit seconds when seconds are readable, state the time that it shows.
7,38
